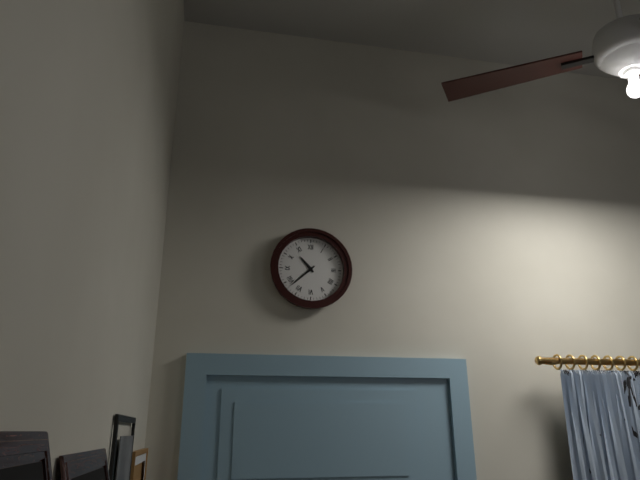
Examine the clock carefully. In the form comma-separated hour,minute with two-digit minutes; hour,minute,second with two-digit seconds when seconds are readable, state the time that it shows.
10,38
